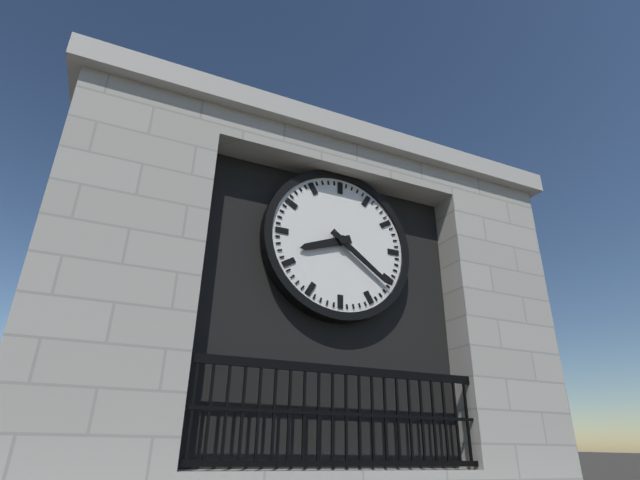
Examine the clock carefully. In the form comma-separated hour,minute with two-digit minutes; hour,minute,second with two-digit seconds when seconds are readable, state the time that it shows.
8,21
